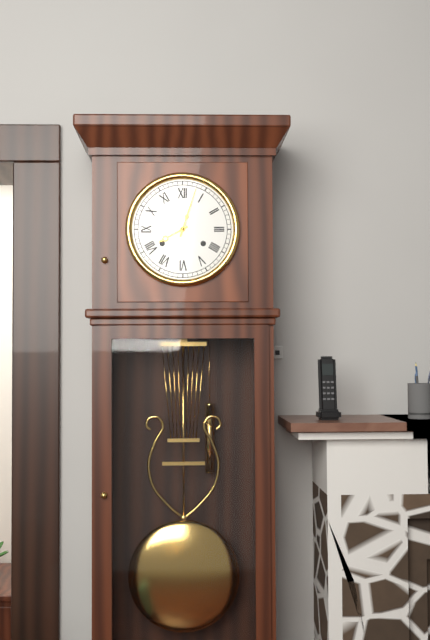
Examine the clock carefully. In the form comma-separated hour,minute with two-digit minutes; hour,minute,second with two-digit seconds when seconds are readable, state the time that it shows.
8,03
